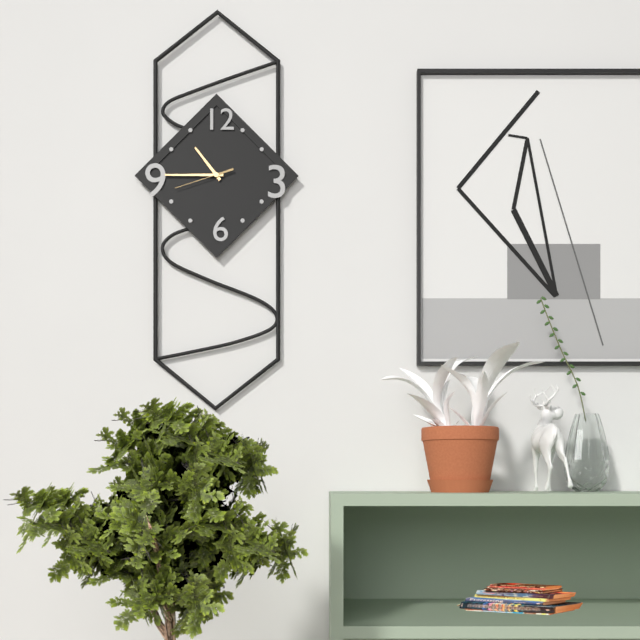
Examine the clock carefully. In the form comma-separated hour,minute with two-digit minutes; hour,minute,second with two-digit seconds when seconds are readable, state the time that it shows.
10,45,42
